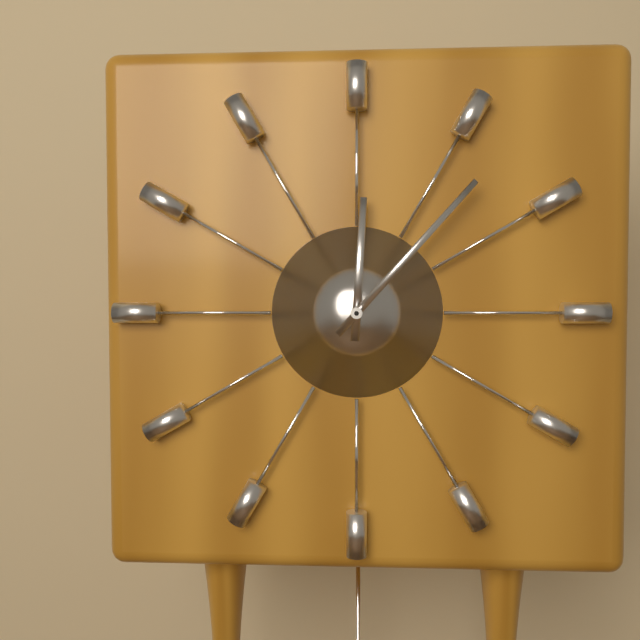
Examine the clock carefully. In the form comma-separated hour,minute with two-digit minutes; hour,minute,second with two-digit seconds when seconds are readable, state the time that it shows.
12,07
